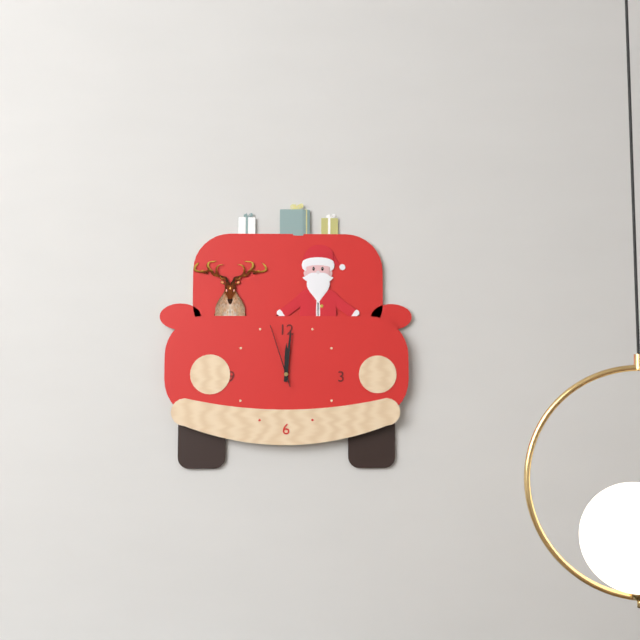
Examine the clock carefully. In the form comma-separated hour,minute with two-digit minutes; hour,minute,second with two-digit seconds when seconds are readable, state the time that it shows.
12,01,57
